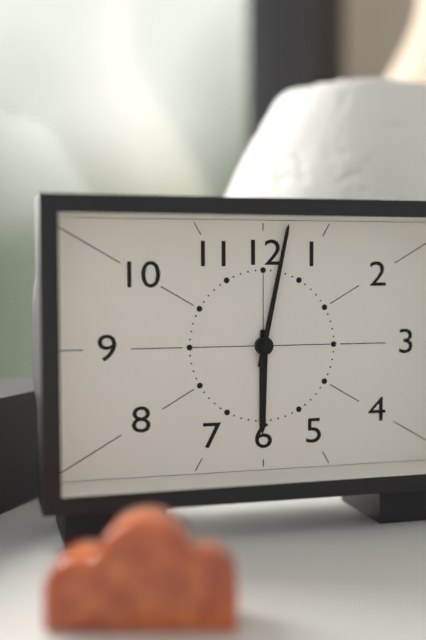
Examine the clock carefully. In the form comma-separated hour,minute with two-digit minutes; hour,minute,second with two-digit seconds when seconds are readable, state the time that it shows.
6,02
